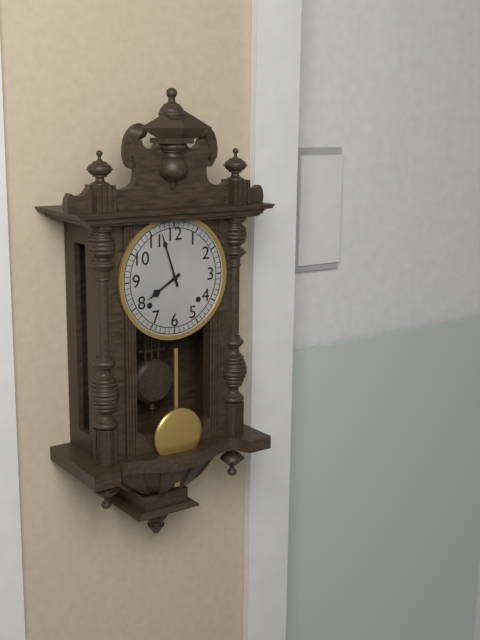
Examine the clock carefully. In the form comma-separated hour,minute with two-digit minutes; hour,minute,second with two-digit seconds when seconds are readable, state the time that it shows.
7,57
